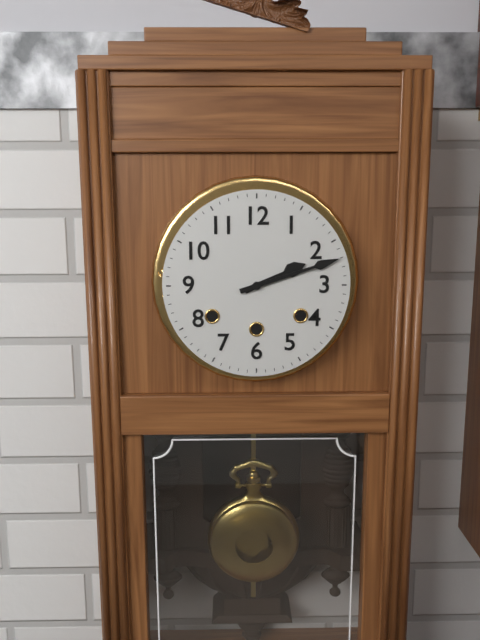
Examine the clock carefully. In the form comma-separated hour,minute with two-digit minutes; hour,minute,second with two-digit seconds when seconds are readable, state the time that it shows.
2,12
